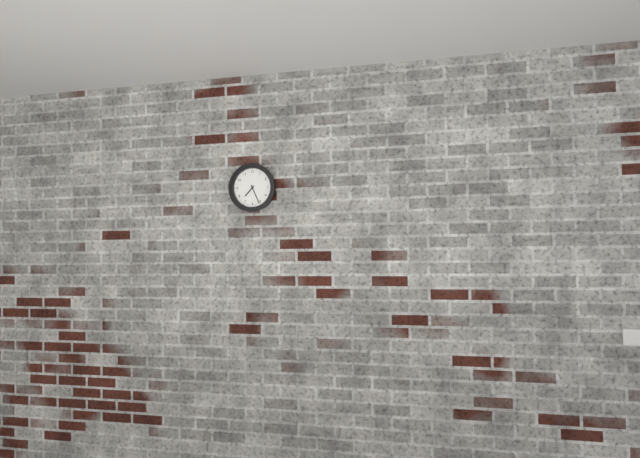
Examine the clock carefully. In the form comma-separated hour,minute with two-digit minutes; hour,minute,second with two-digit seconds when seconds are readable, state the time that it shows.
7,26
